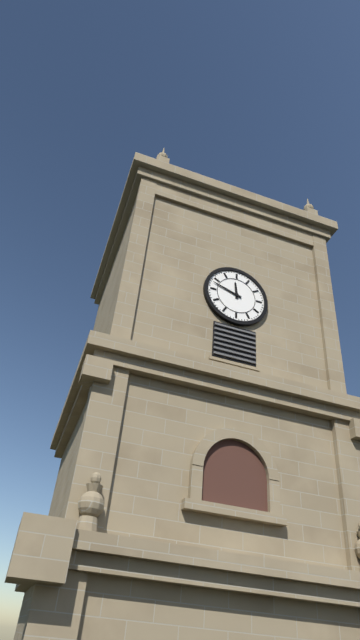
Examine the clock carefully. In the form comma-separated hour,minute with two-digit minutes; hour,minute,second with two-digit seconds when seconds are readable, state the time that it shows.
11,48
